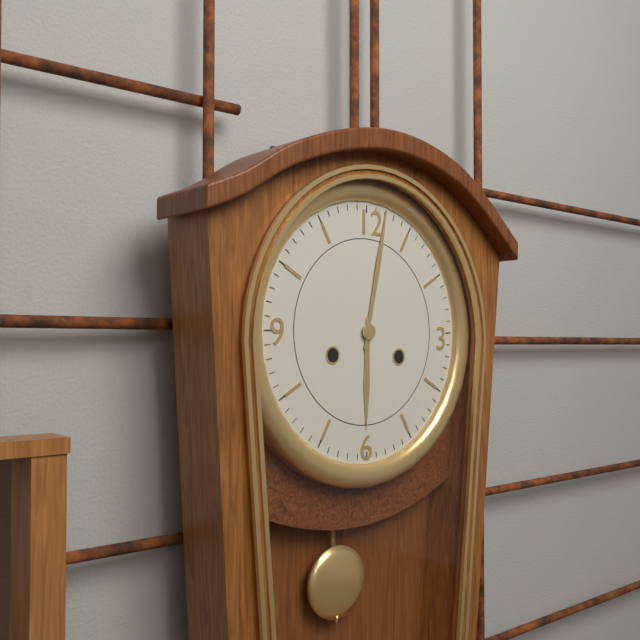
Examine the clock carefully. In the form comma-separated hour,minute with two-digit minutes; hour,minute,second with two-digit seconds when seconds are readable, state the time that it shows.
6,02
